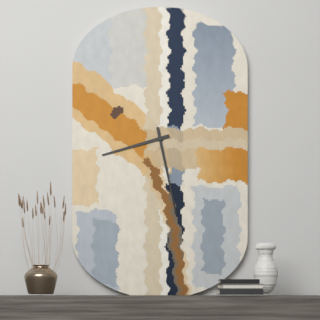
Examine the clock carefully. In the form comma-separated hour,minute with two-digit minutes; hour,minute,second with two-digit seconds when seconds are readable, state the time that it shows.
8,28
